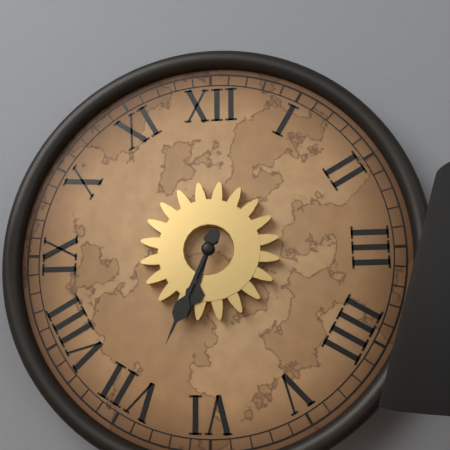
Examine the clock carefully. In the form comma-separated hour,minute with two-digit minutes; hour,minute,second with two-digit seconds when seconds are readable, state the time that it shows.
6,34
